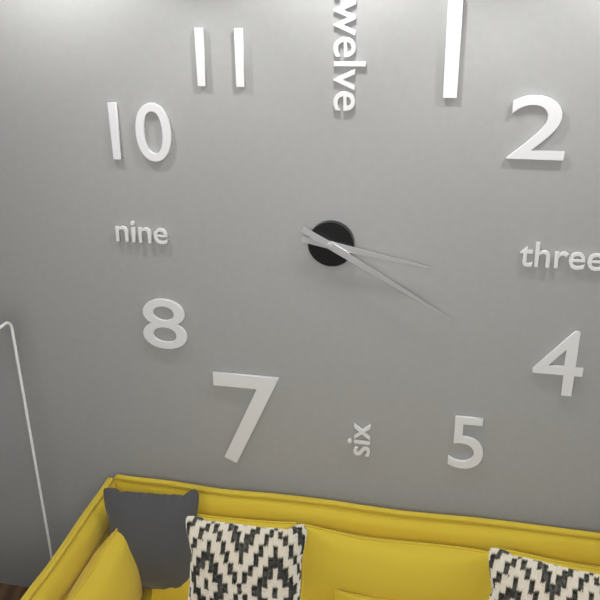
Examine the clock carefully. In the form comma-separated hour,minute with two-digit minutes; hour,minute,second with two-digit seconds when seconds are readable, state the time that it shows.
3,20
